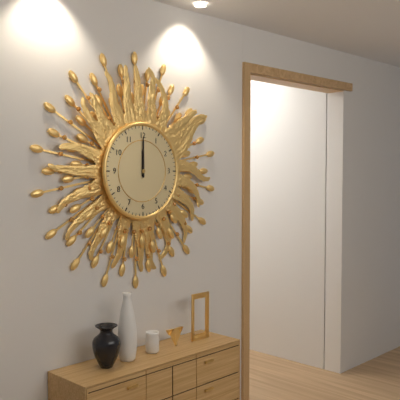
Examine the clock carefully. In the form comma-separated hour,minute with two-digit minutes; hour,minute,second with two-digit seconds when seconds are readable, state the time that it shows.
12,00
